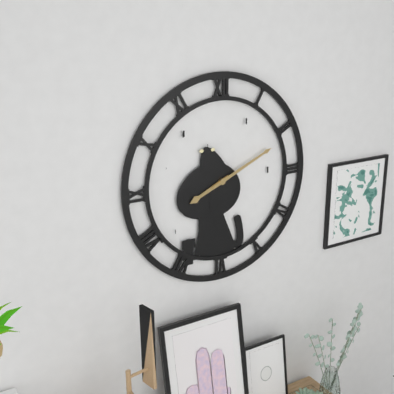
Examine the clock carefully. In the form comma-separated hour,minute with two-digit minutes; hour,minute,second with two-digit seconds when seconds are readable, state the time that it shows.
8,11
